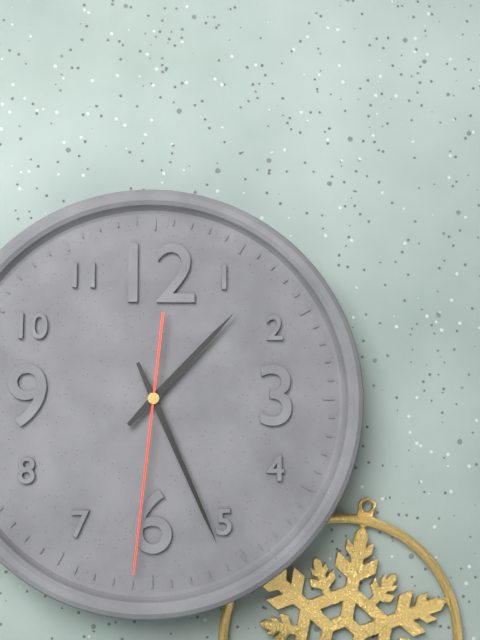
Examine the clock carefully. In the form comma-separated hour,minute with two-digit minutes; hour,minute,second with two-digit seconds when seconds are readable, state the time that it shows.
1,26,31
